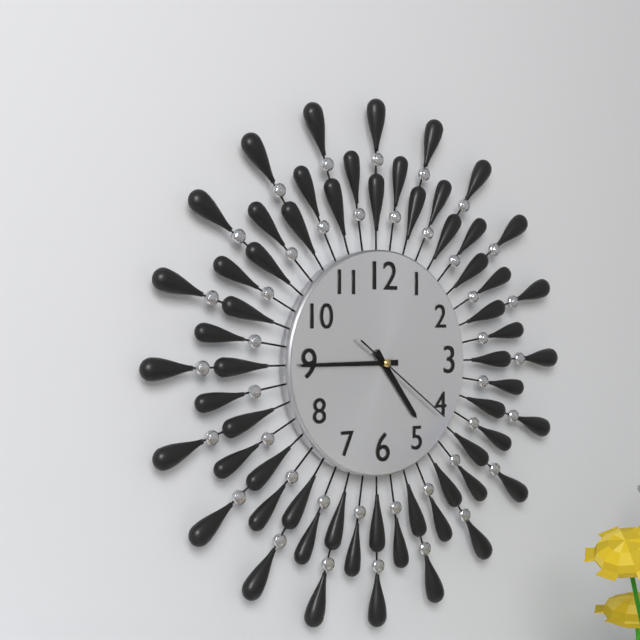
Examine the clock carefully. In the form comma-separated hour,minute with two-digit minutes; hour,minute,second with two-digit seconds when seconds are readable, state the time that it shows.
4,45,21
